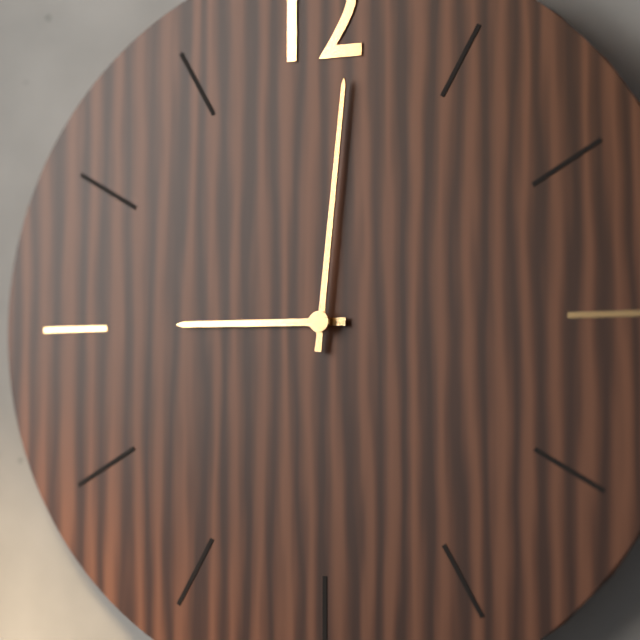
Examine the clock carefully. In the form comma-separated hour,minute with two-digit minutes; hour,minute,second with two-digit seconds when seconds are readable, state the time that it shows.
9,01
